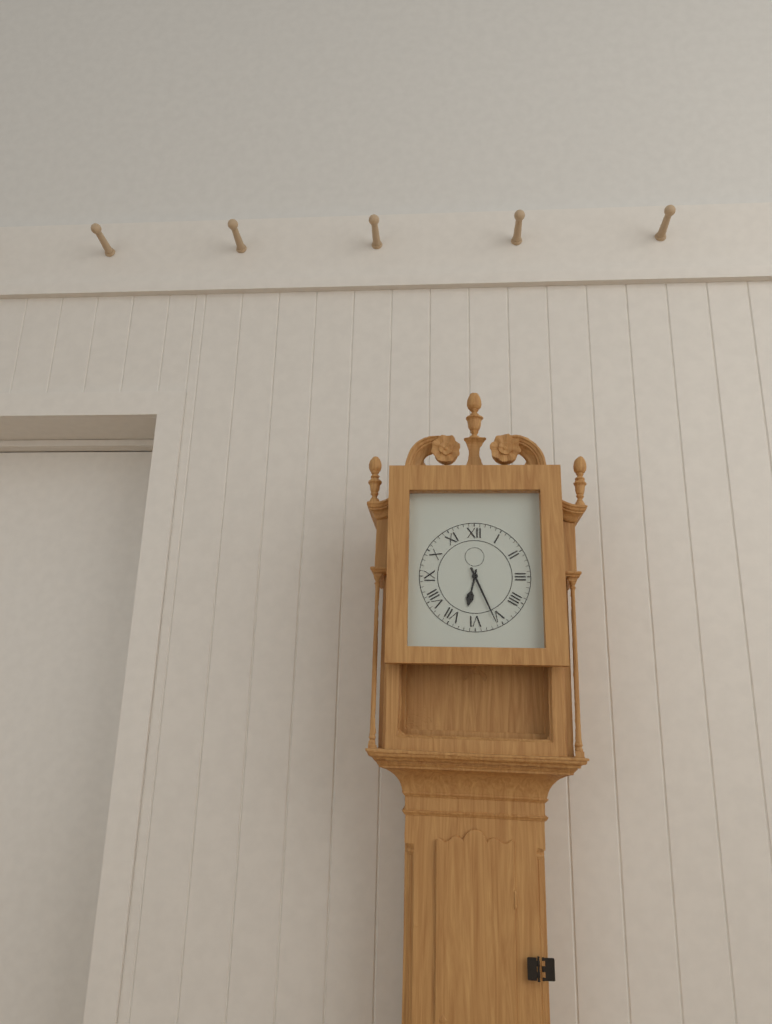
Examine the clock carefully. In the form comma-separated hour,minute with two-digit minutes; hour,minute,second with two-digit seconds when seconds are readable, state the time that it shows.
6,26
